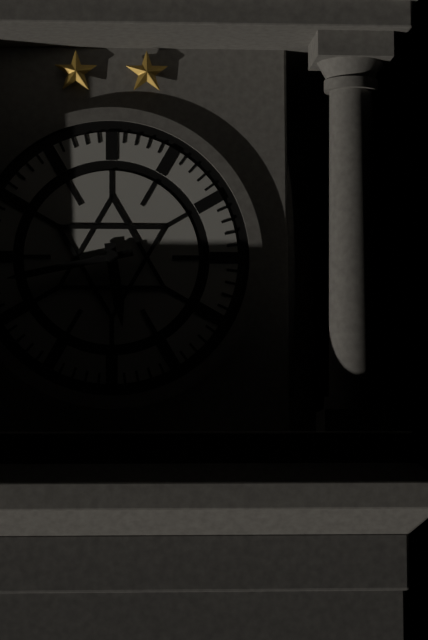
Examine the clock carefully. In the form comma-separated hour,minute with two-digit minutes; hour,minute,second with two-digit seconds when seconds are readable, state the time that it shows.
5,43
